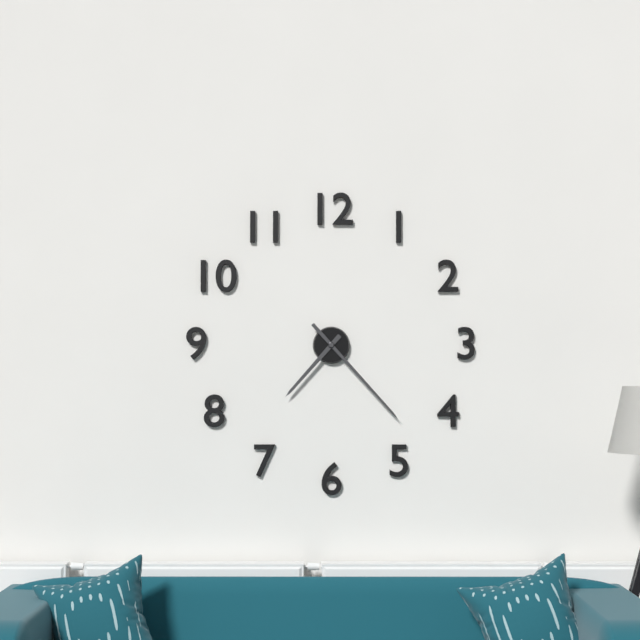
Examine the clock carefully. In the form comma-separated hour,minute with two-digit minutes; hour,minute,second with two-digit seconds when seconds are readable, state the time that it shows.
7,23
